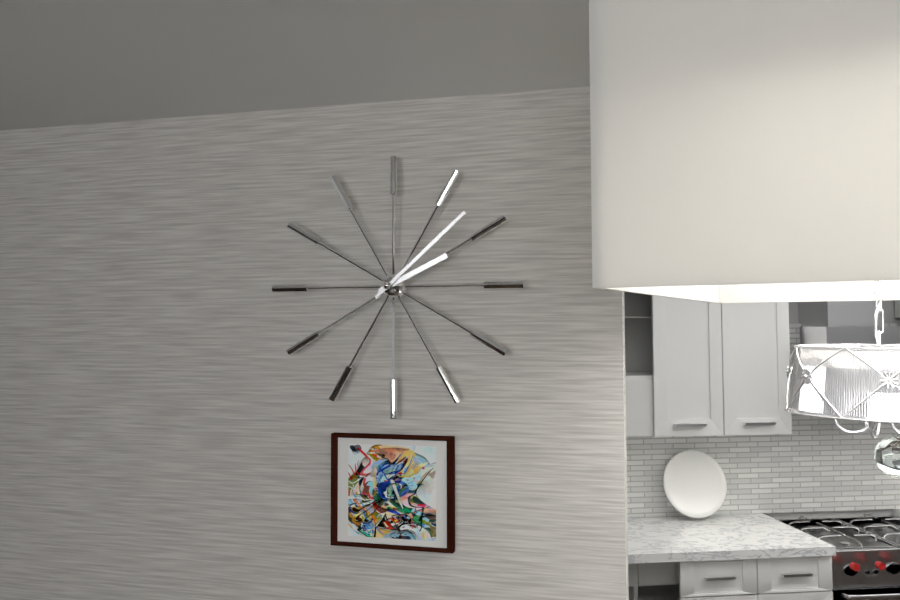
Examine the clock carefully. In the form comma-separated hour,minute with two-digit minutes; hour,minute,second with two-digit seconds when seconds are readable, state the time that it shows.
2,08
